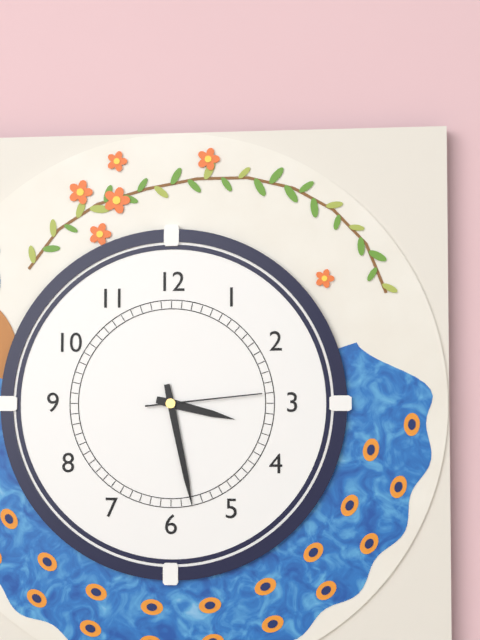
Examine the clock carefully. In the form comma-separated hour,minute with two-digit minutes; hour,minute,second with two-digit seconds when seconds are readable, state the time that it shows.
3,28,14
